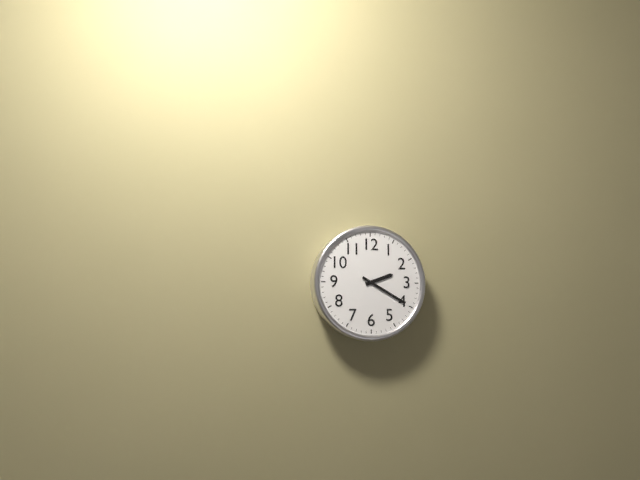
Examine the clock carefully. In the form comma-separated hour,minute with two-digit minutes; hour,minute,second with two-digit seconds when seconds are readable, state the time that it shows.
2,20
